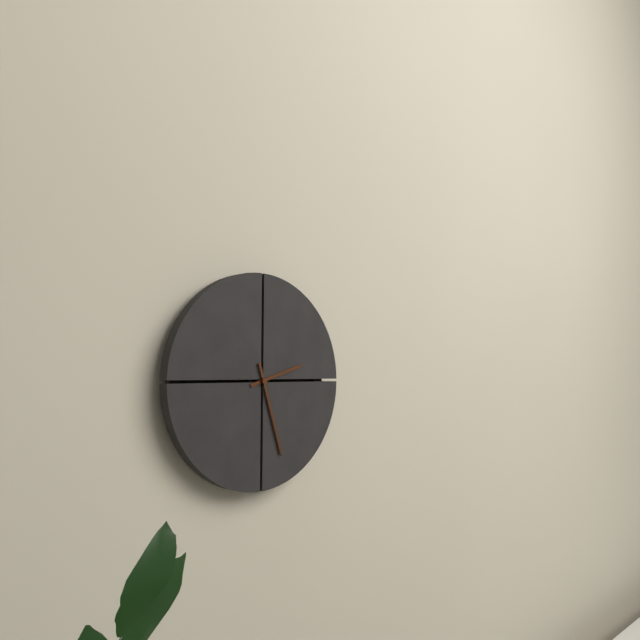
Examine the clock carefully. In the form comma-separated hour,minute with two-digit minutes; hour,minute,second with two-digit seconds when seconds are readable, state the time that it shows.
2,27
